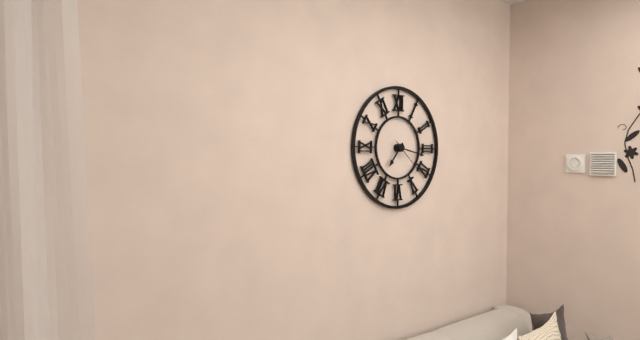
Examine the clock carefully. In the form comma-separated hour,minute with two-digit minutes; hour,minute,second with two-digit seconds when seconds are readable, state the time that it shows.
7,17
